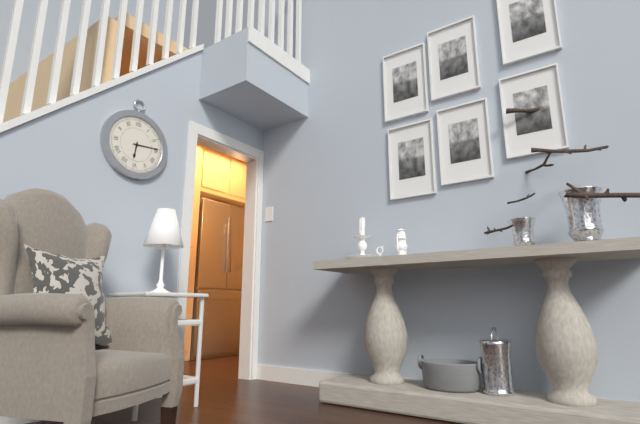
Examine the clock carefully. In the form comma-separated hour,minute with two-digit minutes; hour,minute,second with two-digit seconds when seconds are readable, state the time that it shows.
6,14
